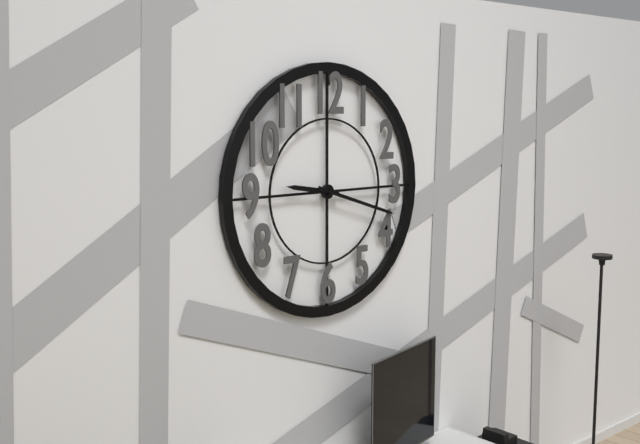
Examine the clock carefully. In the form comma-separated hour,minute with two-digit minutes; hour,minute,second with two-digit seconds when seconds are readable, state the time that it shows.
9,18
